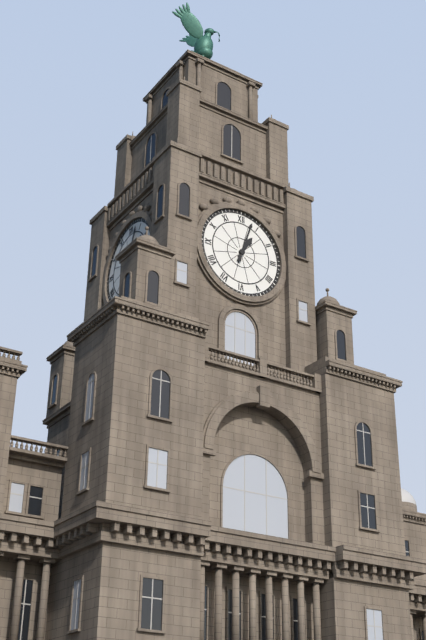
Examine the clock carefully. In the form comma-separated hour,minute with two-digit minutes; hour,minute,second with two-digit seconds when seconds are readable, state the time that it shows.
1,03
